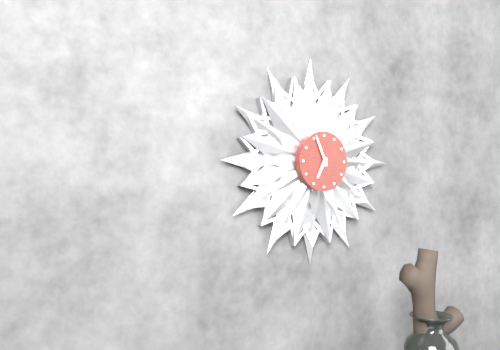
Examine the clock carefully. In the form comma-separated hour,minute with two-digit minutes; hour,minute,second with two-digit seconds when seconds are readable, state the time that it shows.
6,56
